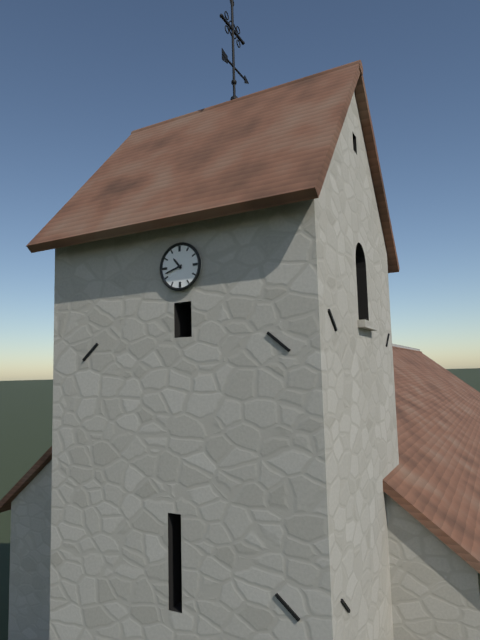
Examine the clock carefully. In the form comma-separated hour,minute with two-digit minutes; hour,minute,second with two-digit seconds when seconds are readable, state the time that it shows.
10,42
